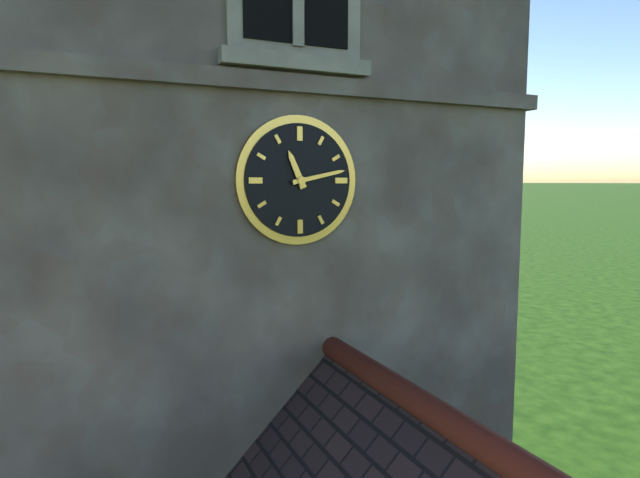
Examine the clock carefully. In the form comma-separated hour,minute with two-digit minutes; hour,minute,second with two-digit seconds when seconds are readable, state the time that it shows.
11,13
